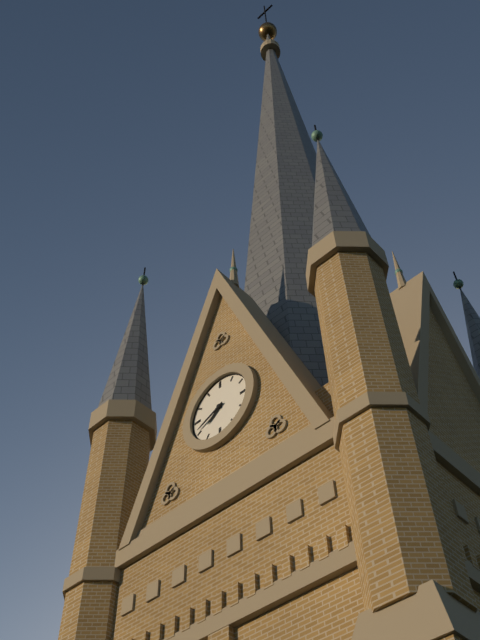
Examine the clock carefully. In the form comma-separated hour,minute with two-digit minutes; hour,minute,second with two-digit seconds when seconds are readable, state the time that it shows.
7,41
